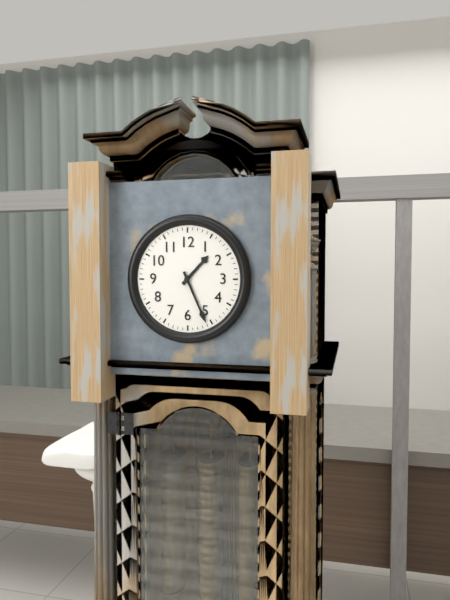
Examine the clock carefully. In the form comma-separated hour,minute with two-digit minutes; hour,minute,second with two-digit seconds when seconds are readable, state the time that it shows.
1,26
